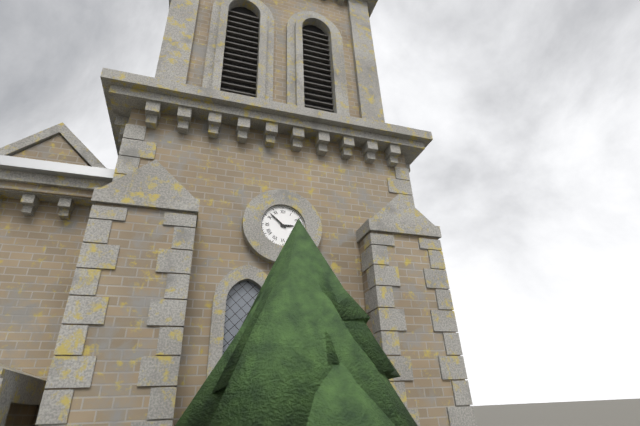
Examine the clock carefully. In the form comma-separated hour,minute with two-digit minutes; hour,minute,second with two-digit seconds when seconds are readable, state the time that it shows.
2,52
